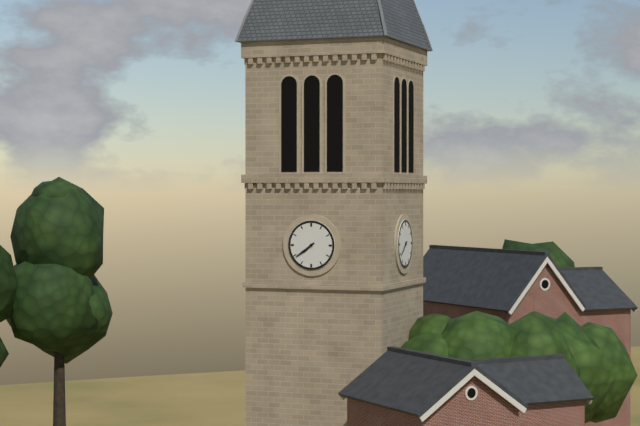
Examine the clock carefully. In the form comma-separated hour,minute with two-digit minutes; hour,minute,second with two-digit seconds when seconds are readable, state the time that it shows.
7,39
